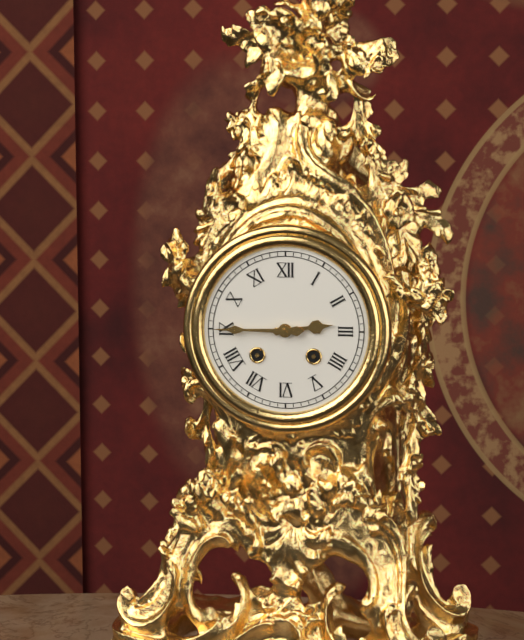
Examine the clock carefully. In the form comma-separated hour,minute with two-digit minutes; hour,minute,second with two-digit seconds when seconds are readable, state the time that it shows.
2,45
